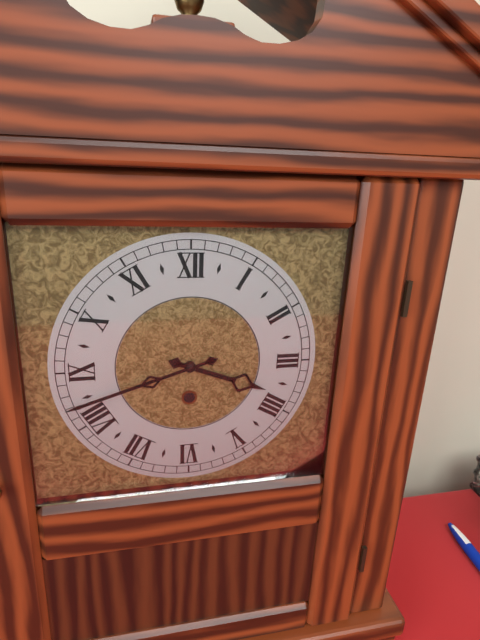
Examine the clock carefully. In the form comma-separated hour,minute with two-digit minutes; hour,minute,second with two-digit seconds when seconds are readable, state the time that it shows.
3,42
